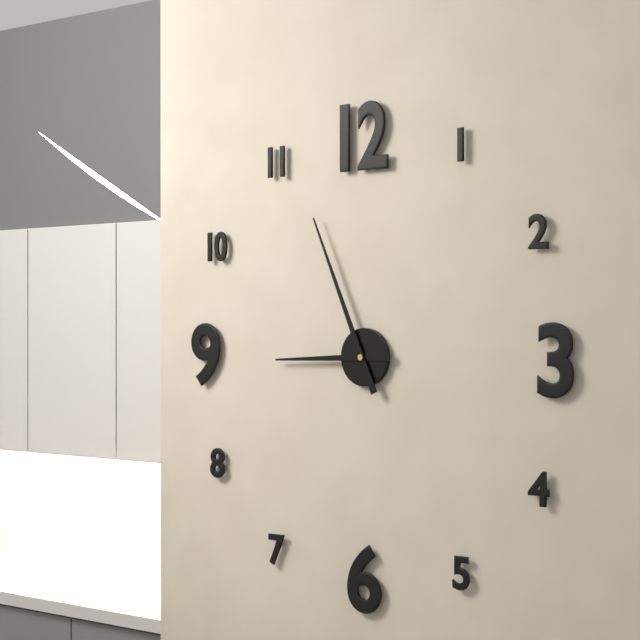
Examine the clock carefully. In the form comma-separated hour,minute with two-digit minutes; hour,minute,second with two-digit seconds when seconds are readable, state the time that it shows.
8,56
